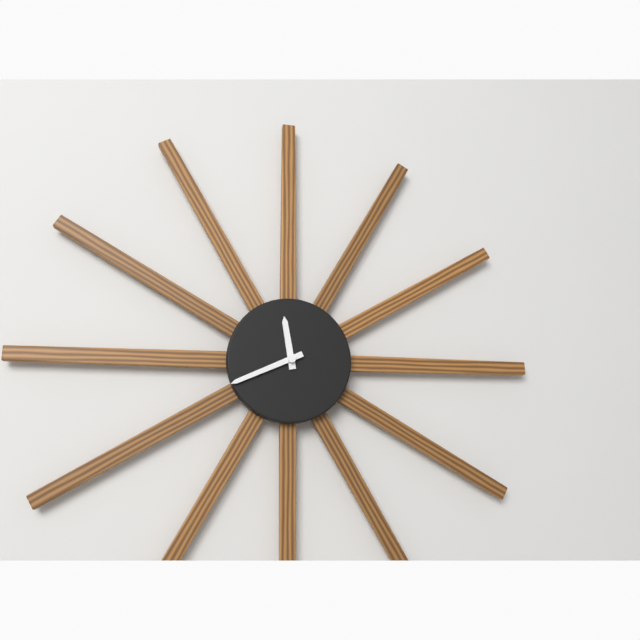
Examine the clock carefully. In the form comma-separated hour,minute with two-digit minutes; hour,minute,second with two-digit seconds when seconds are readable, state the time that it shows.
11,41
